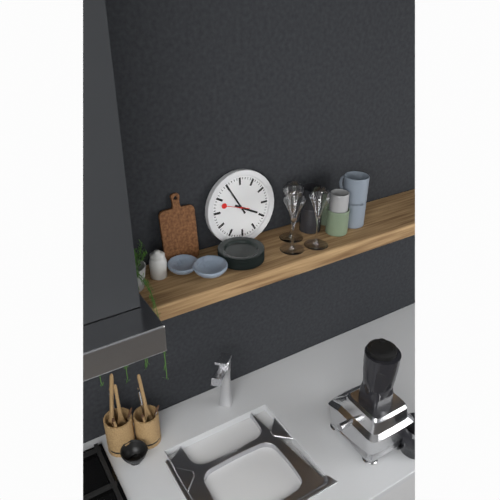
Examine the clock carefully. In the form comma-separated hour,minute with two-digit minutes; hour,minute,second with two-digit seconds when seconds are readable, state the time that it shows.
3,55
